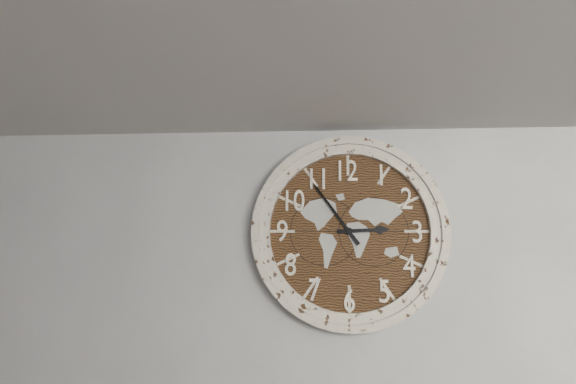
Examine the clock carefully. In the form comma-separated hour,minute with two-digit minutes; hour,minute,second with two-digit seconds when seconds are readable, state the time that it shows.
2,54
